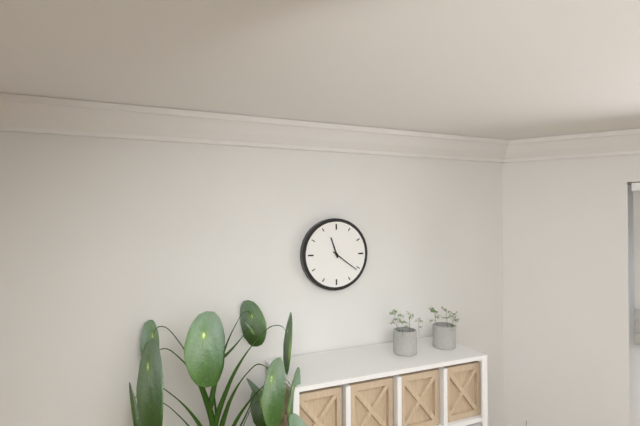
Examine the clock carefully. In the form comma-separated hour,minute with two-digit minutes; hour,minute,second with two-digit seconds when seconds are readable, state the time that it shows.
11,21
